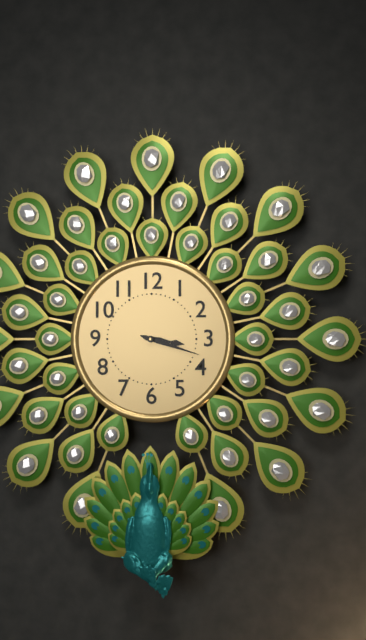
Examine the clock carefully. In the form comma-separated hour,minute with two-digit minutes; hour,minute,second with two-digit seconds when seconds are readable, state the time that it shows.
3,18
